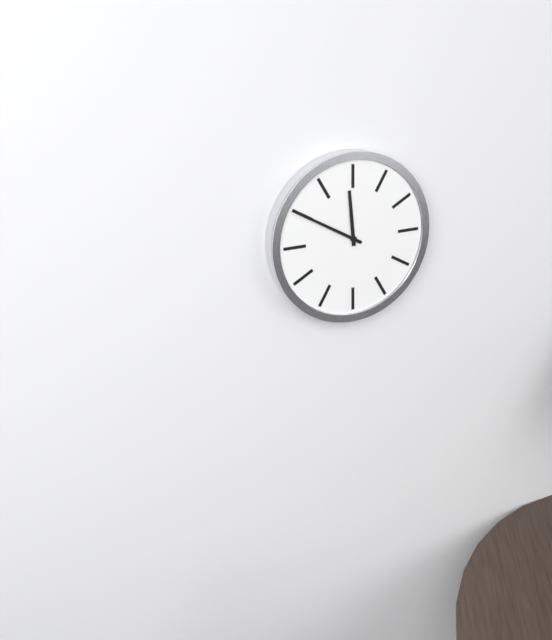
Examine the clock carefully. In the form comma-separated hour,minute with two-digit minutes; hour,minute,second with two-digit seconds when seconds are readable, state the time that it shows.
11,50
